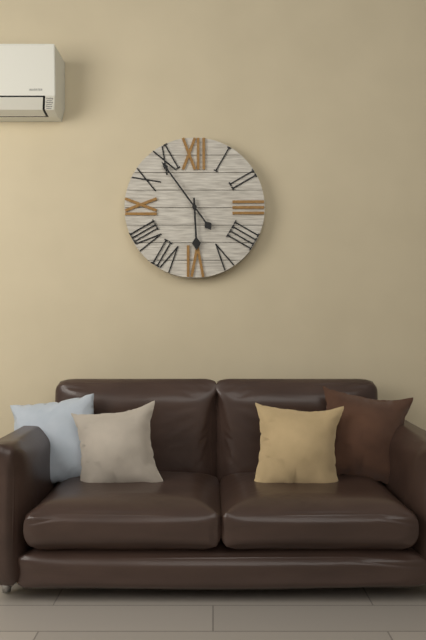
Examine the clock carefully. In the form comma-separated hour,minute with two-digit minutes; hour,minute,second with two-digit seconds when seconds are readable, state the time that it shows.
5,54
